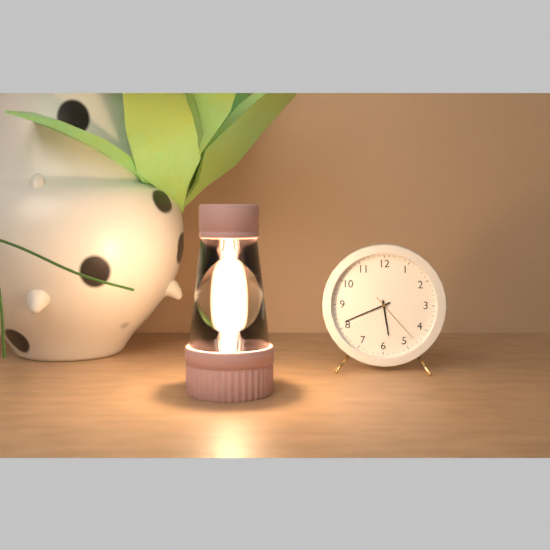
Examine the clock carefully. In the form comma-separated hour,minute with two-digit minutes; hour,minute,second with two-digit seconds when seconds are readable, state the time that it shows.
5,41,23
